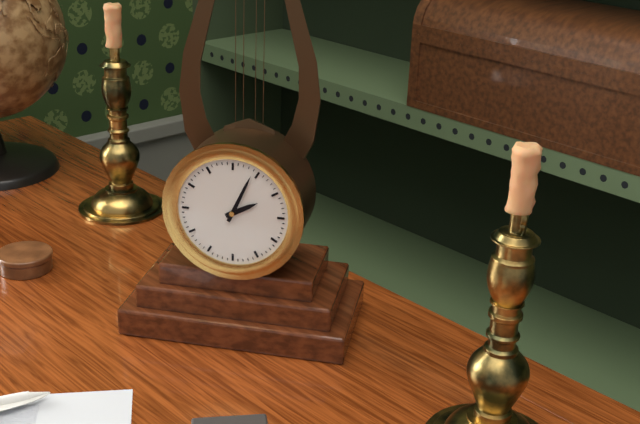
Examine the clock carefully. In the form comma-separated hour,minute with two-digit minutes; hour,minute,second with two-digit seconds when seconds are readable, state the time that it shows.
2,04
